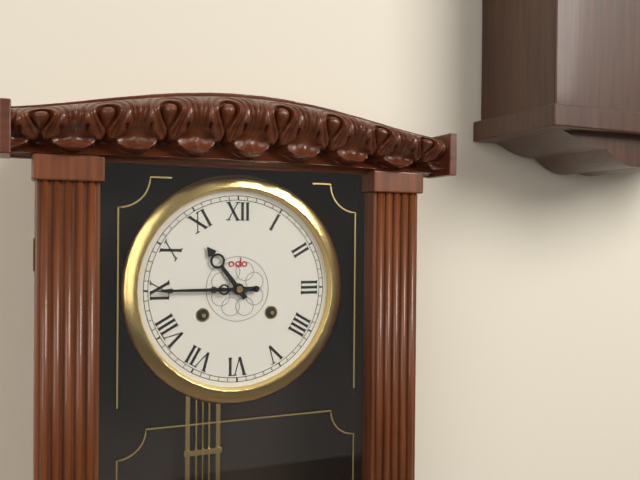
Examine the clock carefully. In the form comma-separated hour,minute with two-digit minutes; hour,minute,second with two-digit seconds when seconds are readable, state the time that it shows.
10,45
